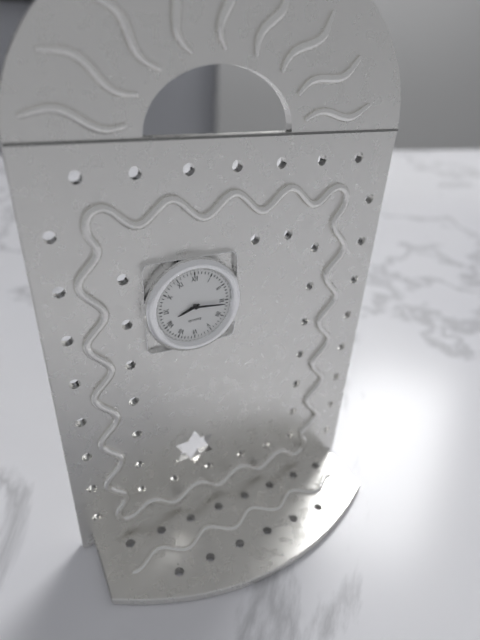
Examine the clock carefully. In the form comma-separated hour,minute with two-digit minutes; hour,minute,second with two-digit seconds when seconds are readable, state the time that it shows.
8,16
